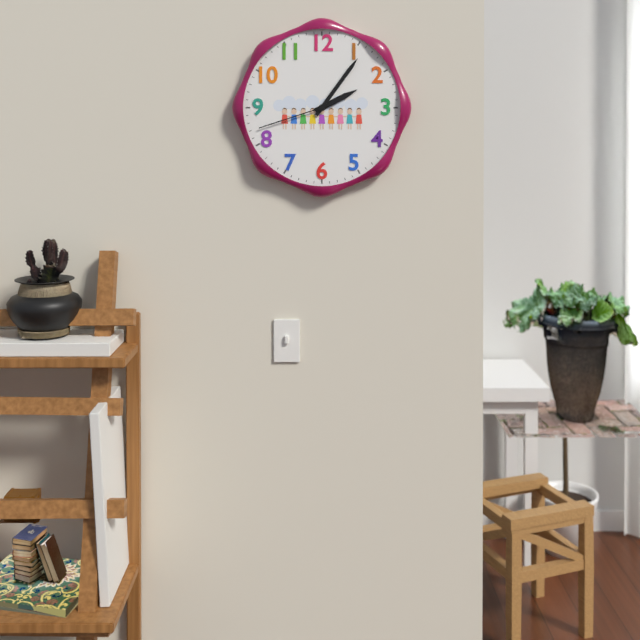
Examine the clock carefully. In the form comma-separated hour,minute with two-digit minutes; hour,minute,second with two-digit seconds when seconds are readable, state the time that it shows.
2,06,42
